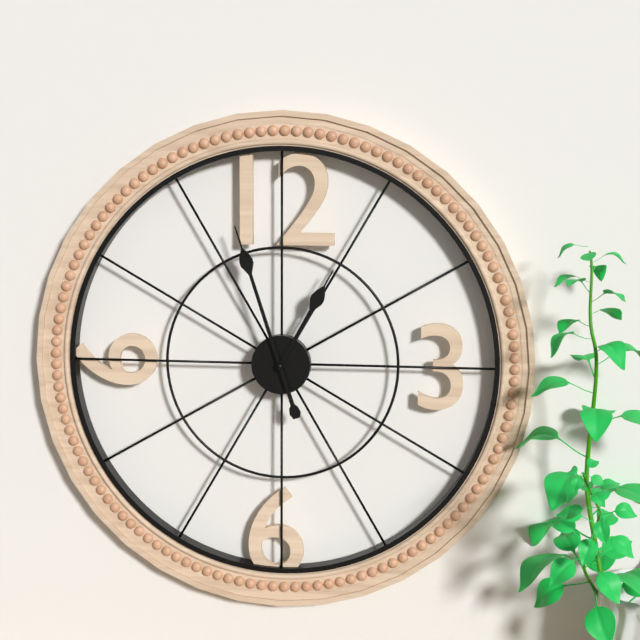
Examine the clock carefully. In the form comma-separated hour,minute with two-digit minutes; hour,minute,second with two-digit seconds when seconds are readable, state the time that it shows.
12,57
